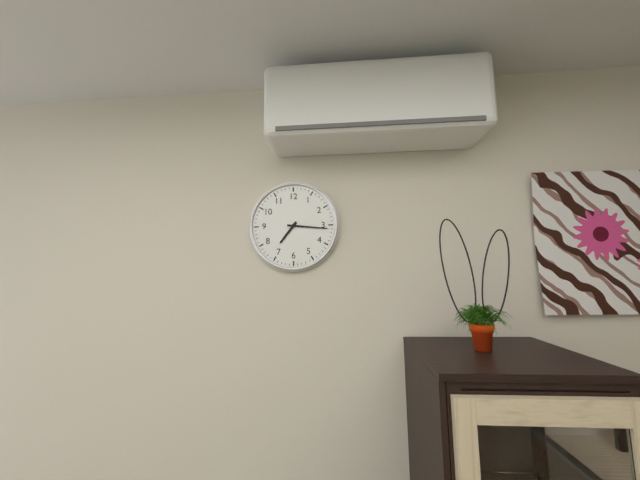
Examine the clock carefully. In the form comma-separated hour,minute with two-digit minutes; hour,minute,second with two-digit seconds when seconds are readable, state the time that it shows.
7,16
